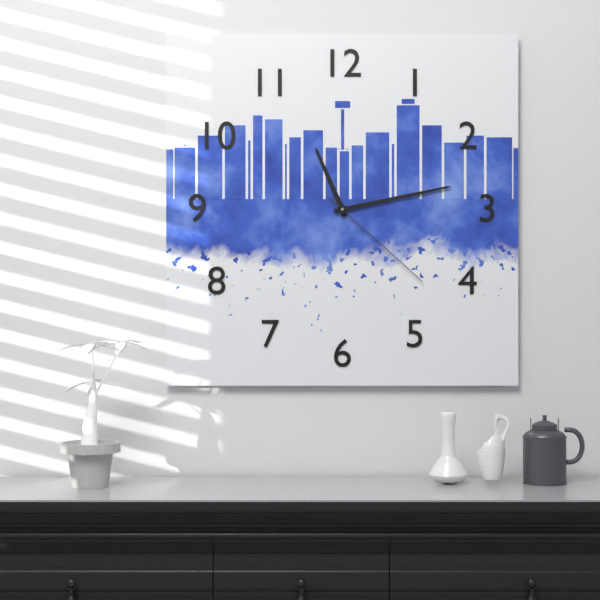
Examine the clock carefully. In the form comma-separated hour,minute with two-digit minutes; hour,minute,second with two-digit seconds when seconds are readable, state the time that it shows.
11,13,22
